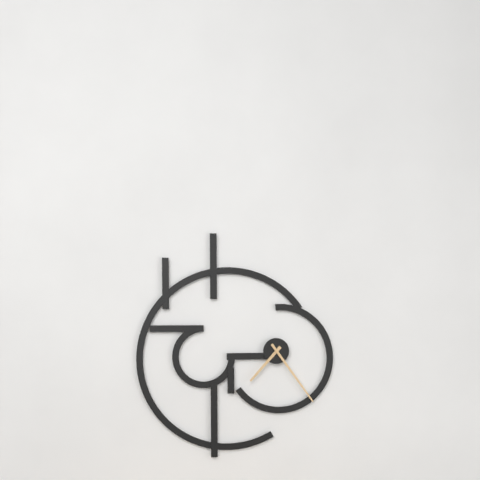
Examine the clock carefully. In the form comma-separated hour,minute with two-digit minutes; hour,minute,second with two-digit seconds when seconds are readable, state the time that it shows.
7,24
